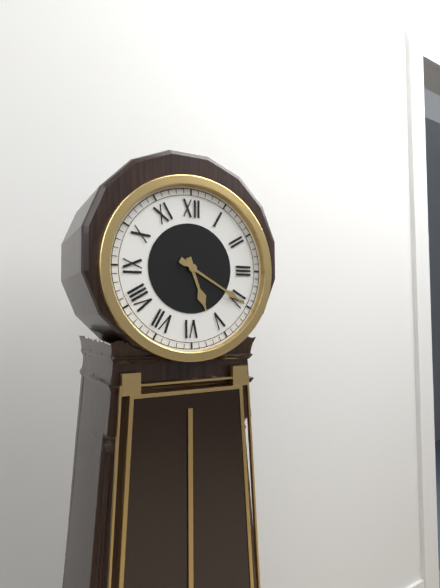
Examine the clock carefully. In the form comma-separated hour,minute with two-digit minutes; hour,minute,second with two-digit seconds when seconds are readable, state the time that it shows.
5,20
